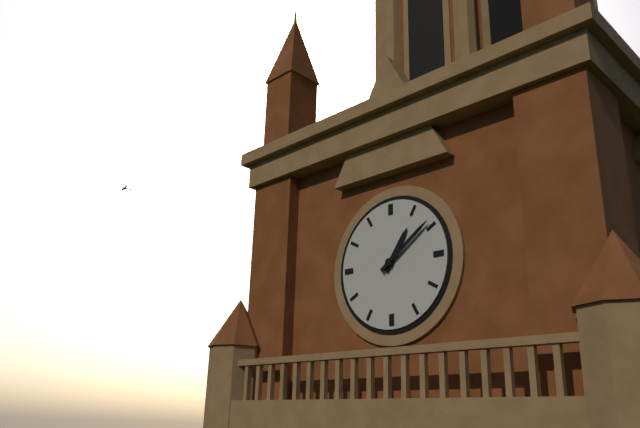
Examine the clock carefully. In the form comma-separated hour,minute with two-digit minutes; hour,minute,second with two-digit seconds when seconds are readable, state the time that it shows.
1,09
